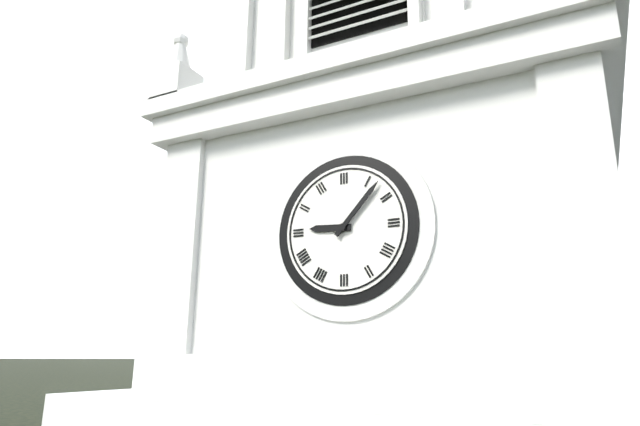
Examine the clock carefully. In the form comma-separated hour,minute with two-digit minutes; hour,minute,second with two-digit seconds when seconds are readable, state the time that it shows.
9,07
